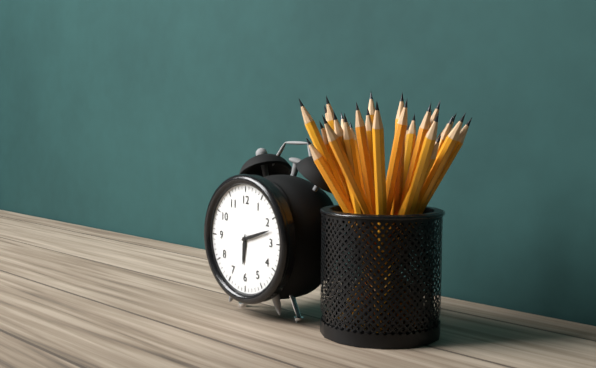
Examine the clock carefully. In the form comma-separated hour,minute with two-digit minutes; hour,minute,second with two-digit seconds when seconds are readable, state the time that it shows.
6,12
